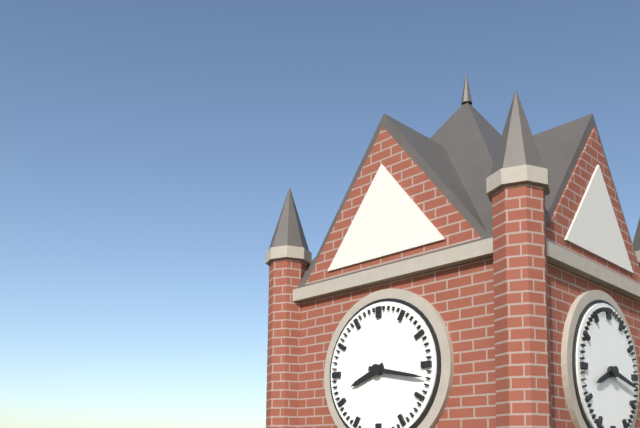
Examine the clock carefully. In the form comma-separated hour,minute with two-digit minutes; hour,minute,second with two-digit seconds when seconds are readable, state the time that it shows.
8,17
